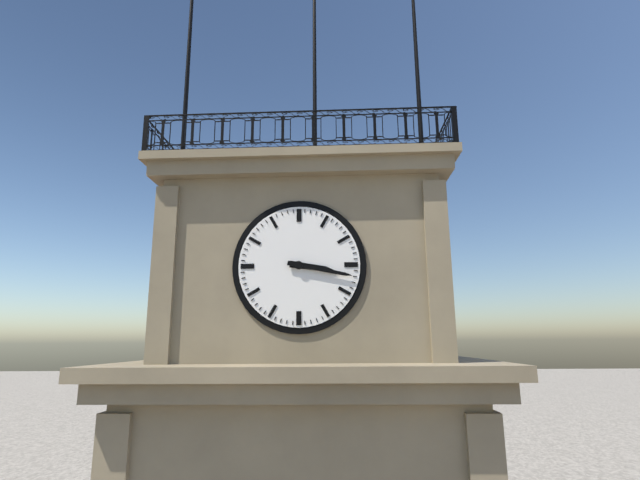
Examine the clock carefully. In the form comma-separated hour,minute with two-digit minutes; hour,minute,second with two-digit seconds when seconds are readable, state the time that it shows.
3,17
